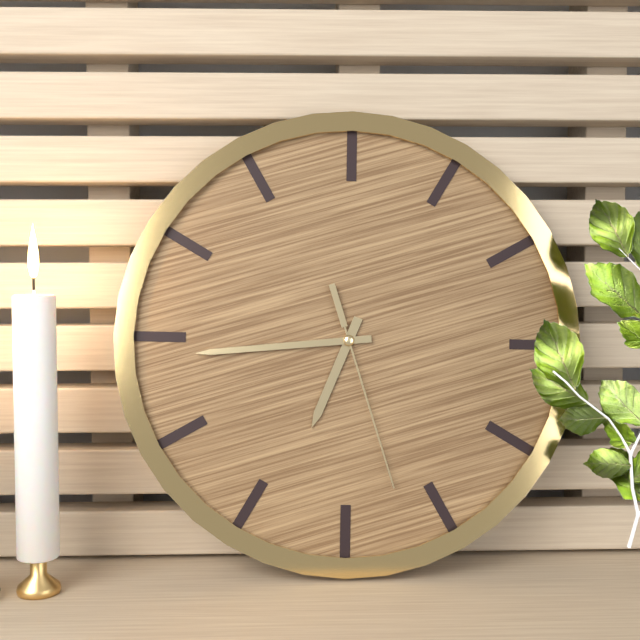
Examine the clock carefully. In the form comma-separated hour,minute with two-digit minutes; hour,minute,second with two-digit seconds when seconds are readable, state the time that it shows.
6,44,27
